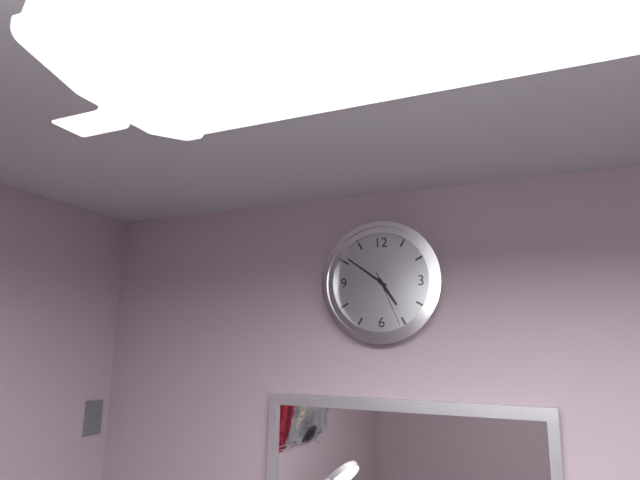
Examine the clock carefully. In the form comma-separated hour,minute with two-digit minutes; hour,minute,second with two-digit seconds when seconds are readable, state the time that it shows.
4,51,26
